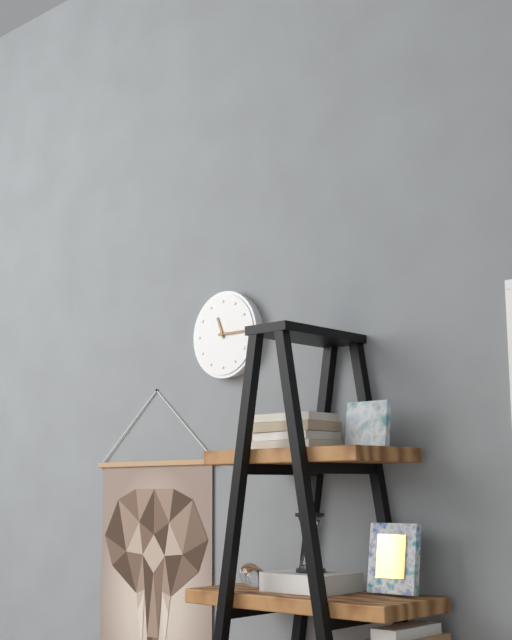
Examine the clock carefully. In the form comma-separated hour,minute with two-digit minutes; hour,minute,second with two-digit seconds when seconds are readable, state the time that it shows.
11,15
